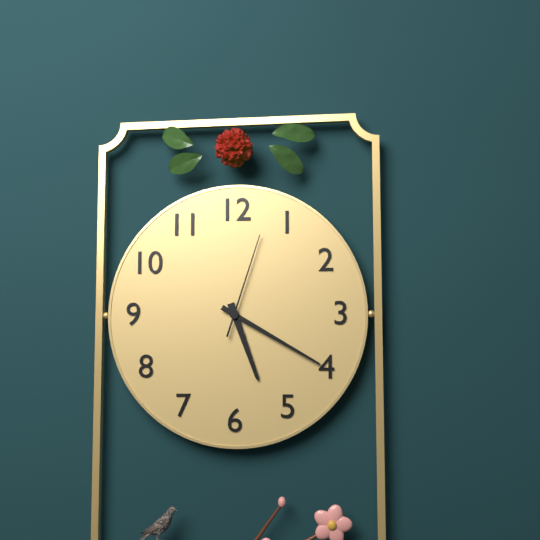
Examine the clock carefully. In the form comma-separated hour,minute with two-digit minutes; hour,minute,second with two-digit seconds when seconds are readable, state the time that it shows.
5,20,03
